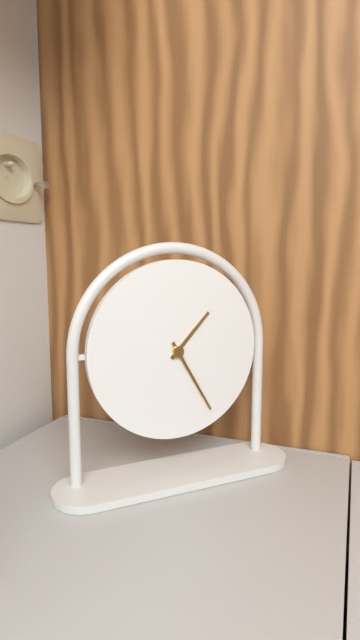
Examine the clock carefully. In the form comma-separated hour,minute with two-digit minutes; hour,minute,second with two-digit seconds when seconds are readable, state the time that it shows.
1,25
